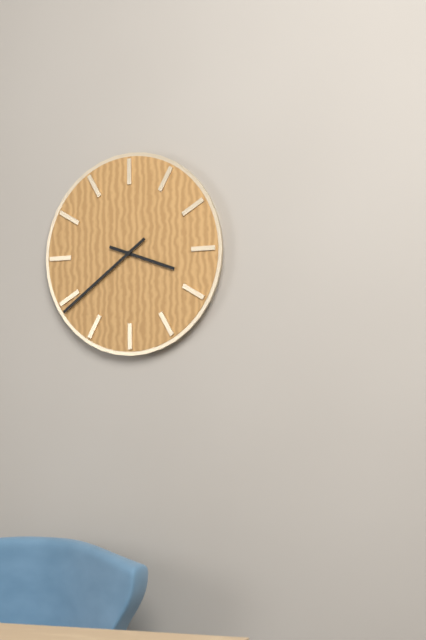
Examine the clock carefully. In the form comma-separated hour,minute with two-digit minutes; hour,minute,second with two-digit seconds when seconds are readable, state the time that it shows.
3,39
